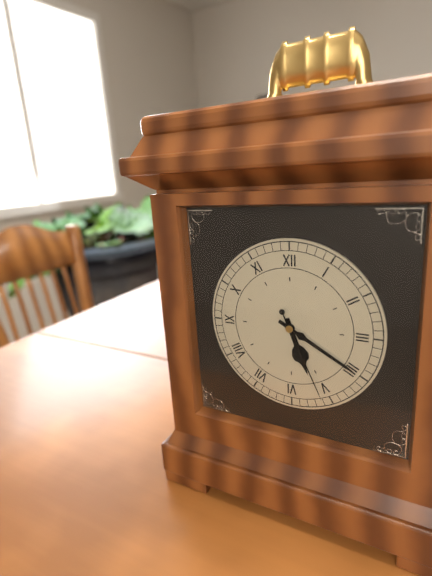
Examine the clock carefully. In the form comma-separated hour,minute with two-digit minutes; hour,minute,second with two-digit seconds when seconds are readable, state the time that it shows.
5,20,26
